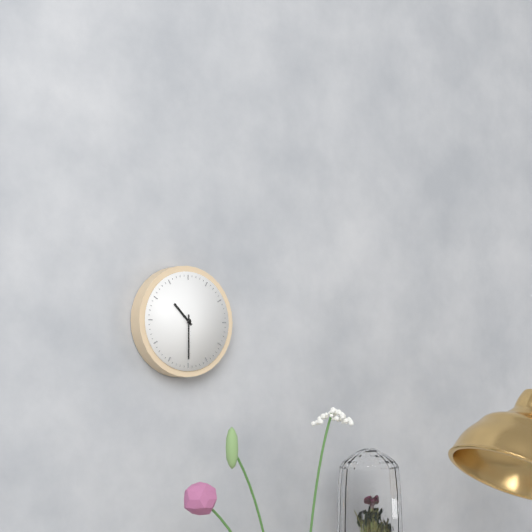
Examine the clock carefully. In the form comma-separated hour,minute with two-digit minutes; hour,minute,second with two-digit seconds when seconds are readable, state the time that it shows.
10,30
